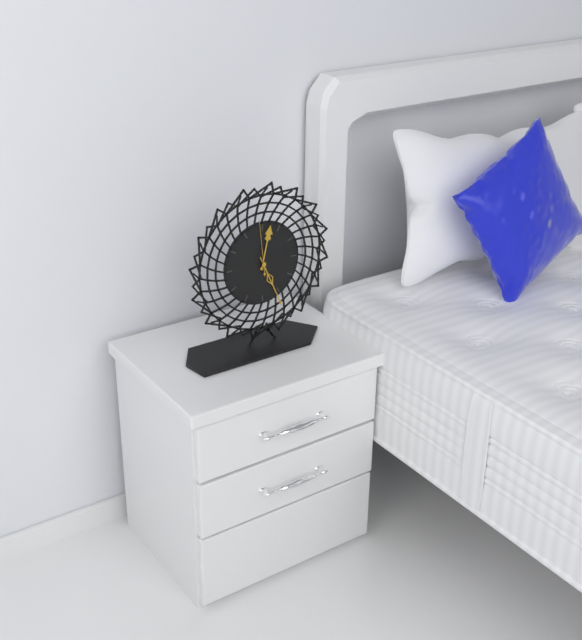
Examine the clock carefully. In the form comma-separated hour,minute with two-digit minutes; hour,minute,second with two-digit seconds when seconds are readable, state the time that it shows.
12,26,59
